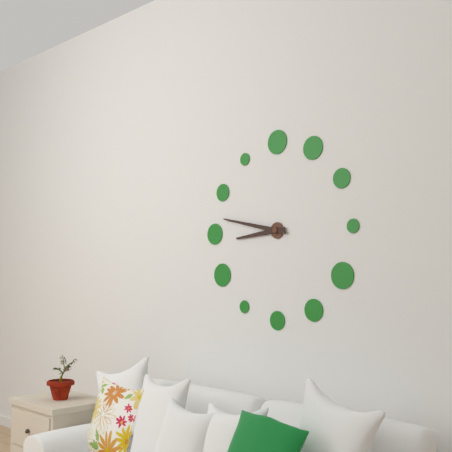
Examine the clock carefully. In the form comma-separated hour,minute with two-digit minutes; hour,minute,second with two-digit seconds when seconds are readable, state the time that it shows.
8,47
